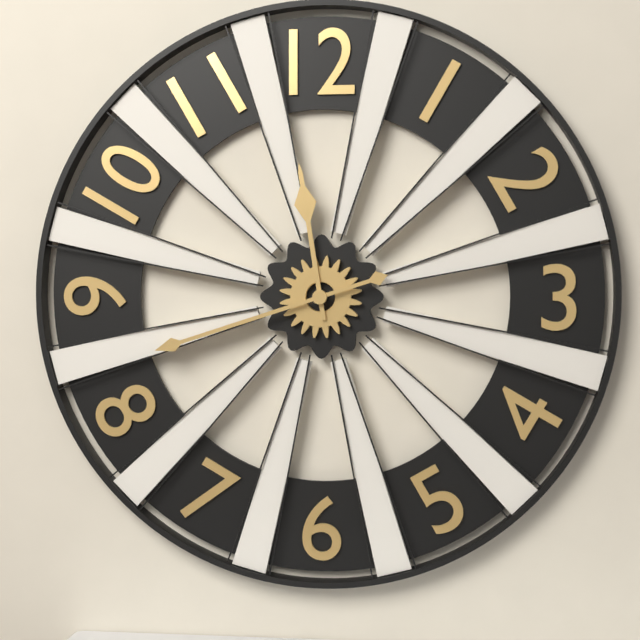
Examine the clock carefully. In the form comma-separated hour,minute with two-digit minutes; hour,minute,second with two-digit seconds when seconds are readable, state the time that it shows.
11,42
